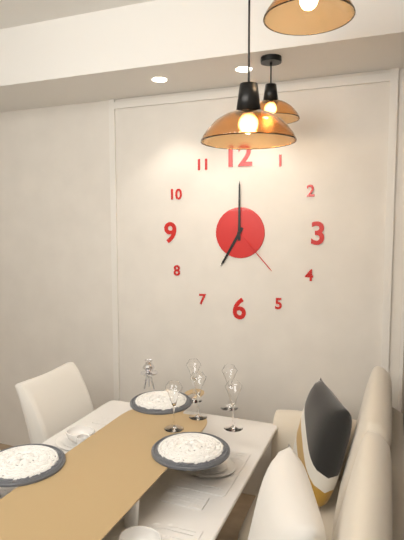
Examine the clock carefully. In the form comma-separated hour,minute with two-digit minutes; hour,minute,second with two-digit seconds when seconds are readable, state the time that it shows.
7,00,23
